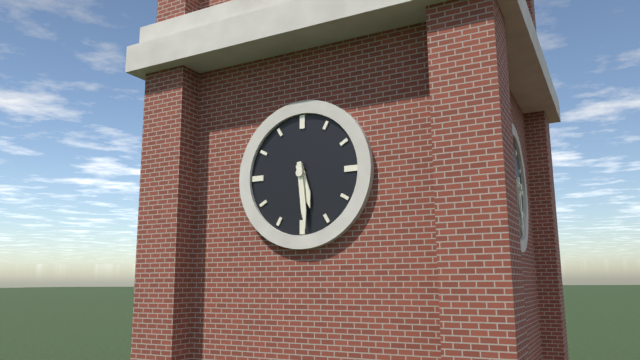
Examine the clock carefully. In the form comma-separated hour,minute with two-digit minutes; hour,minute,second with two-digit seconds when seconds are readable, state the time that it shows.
5,29
